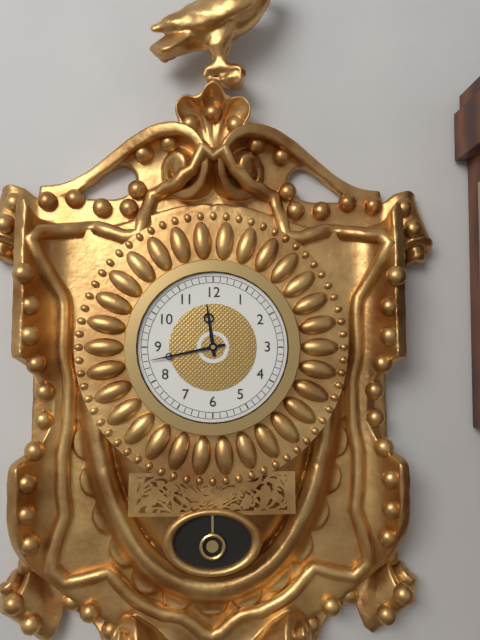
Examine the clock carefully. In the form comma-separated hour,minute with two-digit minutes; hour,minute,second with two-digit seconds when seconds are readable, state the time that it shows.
11,43
